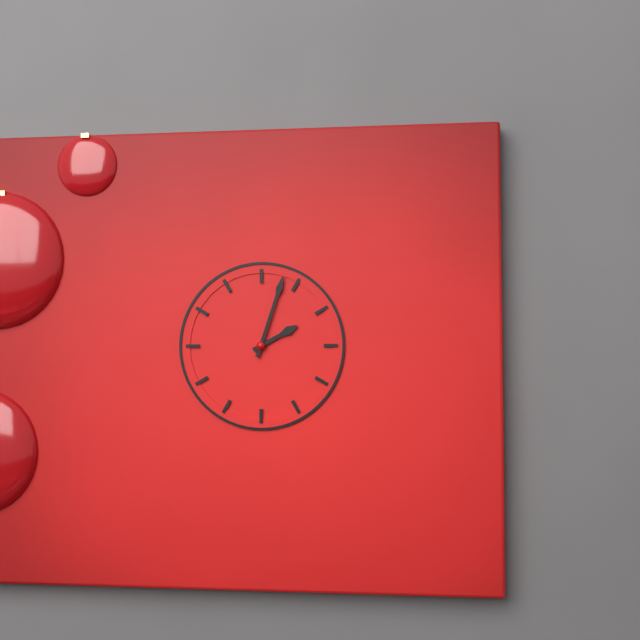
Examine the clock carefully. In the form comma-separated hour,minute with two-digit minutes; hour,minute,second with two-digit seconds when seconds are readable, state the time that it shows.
2,03
